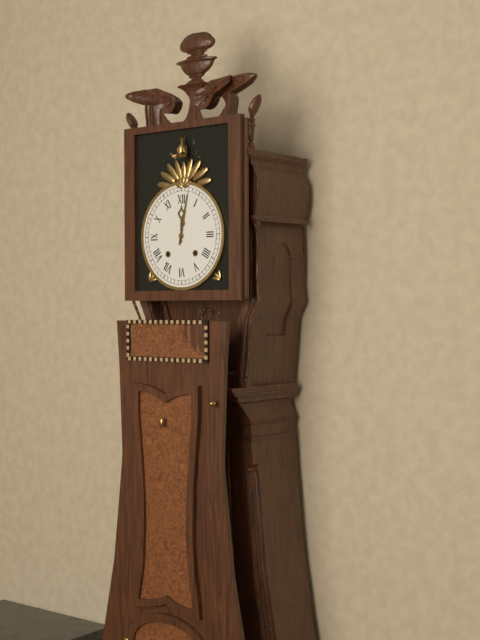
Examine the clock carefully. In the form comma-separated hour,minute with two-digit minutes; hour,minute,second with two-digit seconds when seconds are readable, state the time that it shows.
12,02
